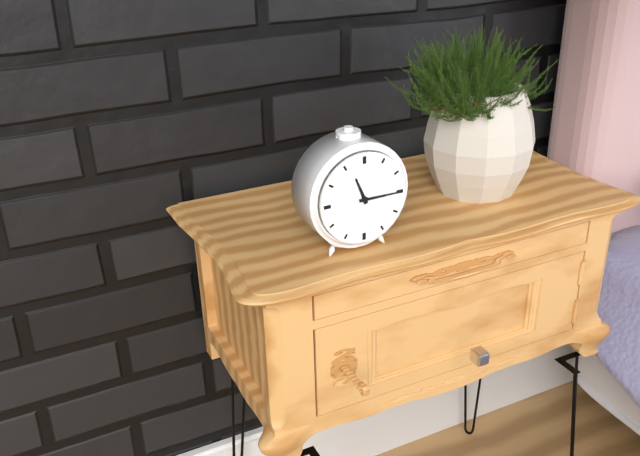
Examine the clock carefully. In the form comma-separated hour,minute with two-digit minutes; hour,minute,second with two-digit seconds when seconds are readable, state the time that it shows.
11,15
